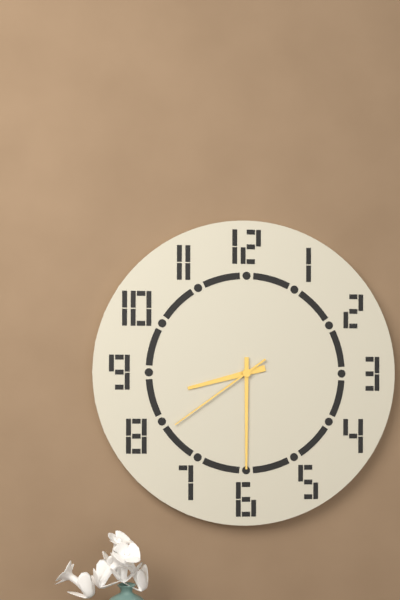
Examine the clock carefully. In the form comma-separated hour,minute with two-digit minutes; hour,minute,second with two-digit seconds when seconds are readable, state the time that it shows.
8,30,39
